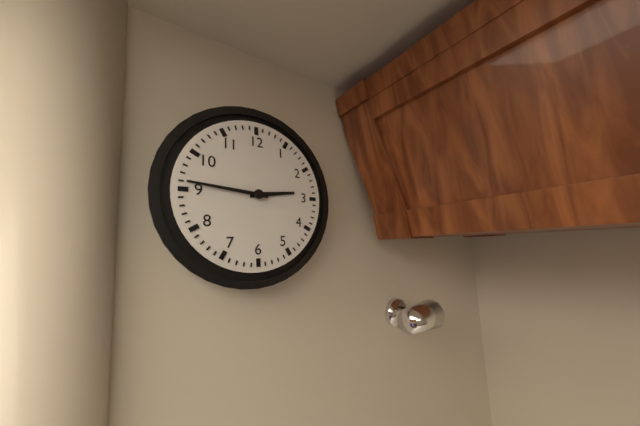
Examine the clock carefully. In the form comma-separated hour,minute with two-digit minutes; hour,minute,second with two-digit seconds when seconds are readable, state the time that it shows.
2,46
